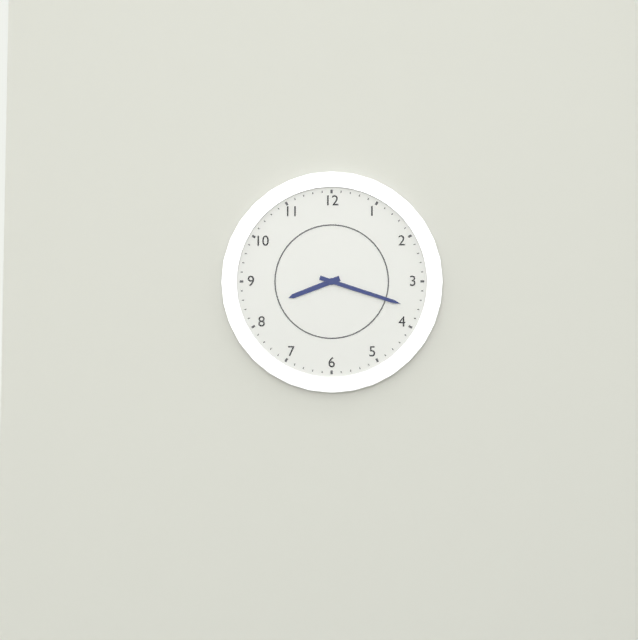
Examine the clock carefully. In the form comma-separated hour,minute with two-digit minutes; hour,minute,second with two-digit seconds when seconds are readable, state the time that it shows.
8,18
